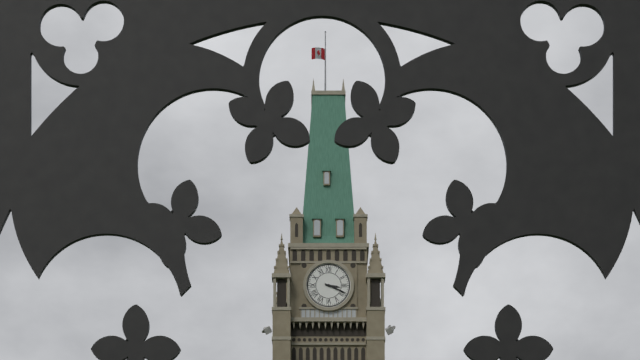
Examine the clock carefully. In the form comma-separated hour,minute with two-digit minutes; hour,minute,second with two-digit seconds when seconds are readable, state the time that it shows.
3,19
